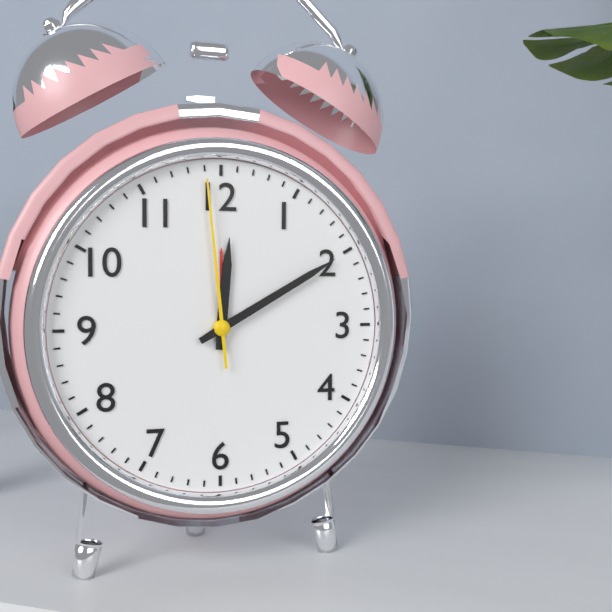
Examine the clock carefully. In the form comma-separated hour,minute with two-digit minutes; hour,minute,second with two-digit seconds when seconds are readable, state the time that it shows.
12,10,59
